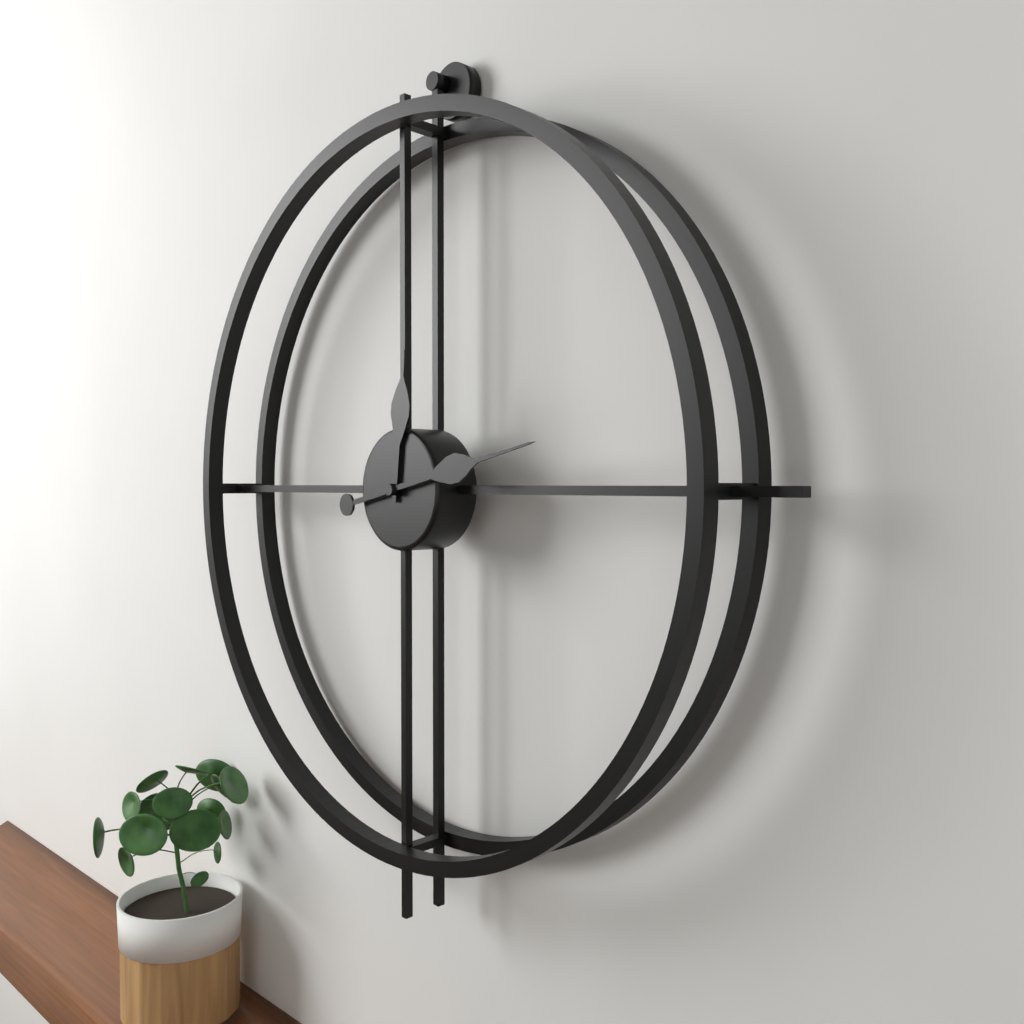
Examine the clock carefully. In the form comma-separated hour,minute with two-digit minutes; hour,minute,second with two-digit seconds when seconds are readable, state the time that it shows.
12,13
